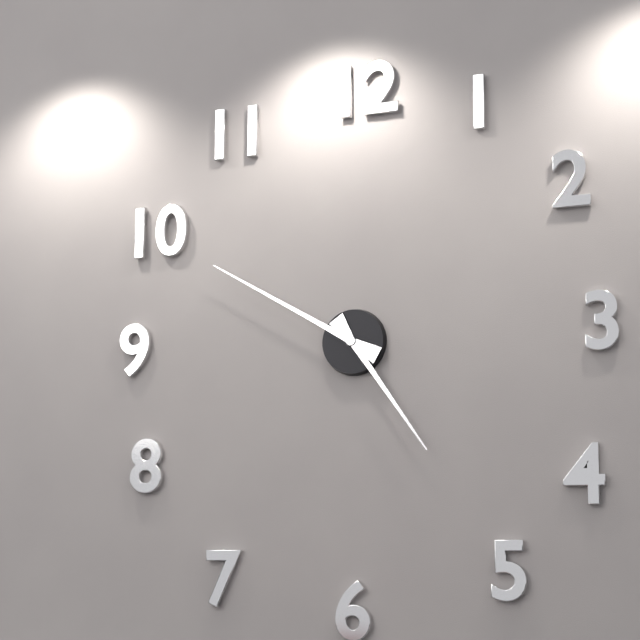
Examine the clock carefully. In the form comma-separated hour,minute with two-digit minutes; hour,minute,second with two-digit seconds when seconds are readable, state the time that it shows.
4,50
